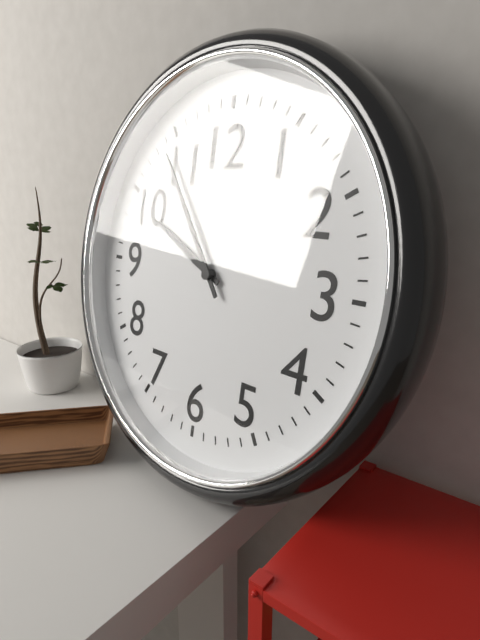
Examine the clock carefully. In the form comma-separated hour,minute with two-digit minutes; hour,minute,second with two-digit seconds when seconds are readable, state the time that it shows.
9,54
